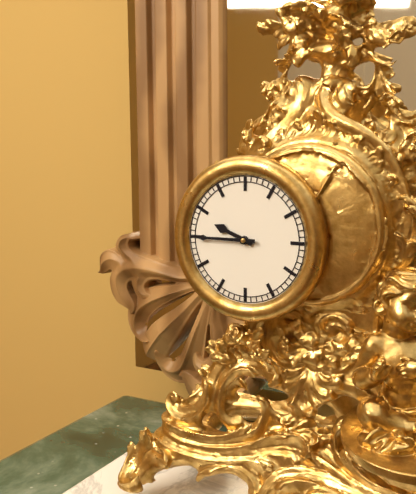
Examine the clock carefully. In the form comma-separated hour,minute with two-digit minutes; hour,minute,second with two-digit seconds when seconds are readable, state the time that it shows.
9,45
